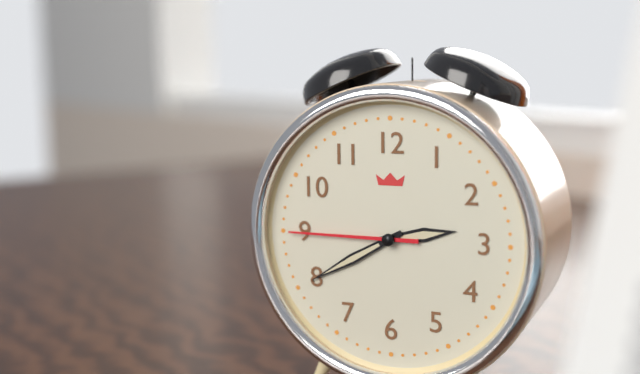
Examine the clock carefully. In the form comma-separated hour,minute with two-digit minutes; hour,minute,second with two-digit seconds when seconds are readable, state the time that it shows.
2,40,45
